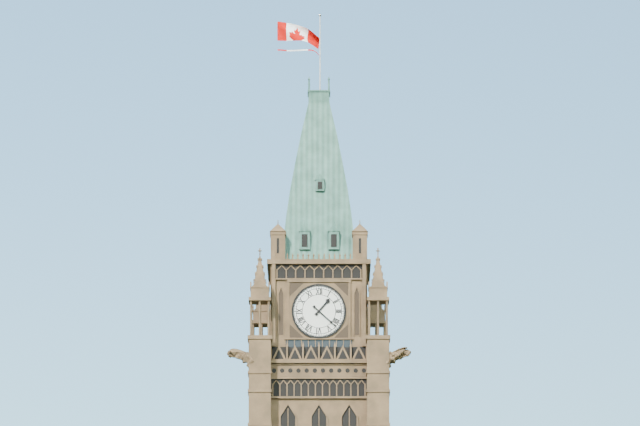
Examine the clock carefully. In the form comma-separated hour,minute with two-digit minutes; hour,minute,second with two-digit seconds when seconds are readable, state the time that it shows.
1,22
